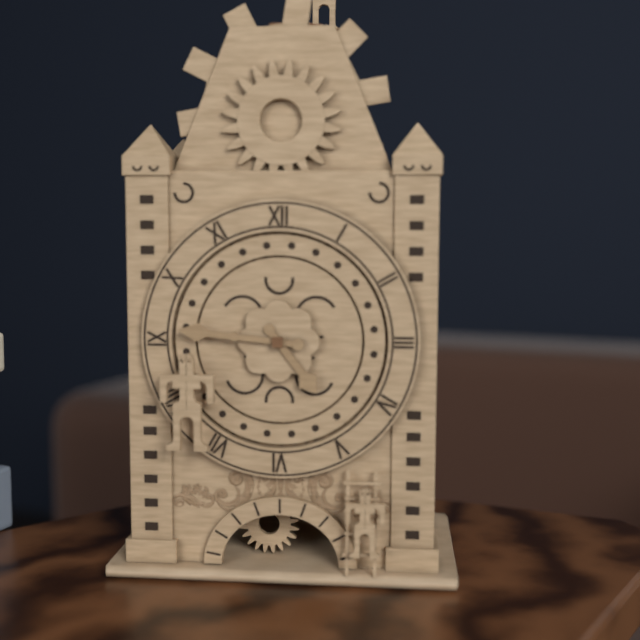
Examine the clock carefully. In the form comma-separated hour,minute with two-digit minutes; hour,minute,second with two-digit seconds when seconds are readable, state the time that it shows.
4,46
